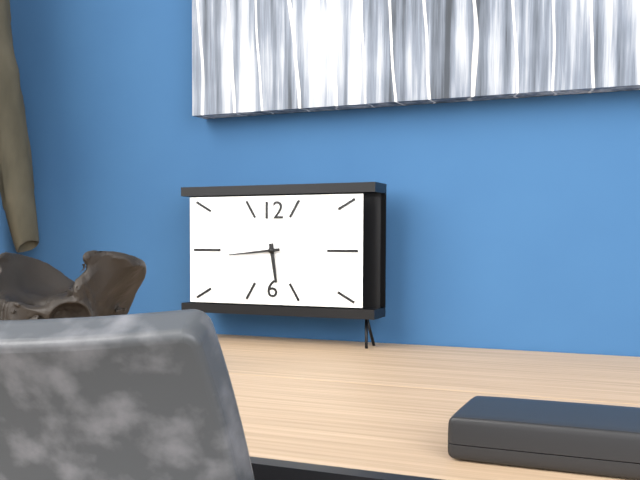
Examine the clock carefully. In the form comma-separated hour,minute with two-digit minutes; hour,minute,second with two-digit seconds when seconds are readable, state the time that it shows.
5,44
